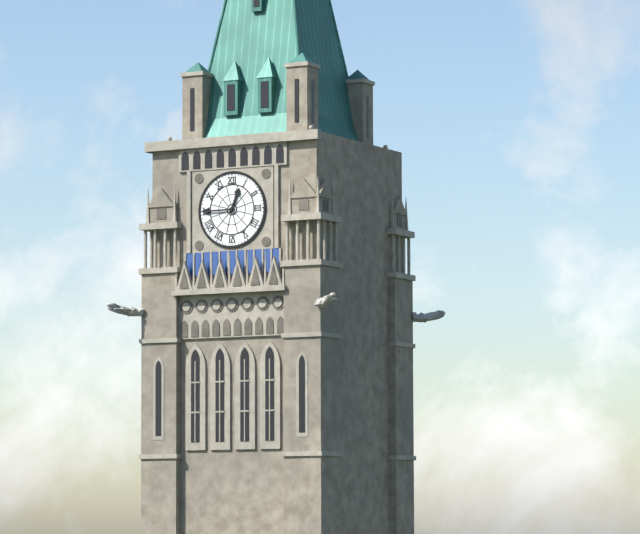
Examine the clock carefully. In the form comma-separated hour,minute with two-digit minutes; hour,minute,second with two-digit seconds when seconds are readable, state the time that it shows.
12,45
